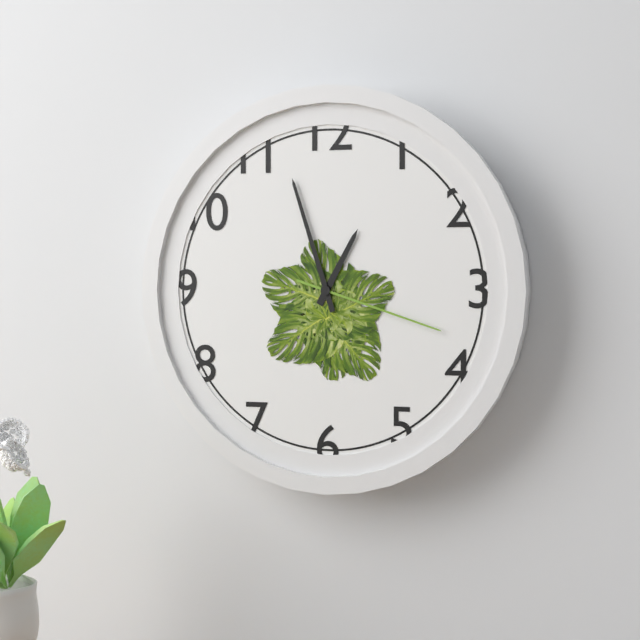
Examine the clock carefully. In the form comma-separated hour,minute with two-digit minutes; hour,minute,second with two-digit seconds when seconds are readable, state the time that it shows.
12,57,18
